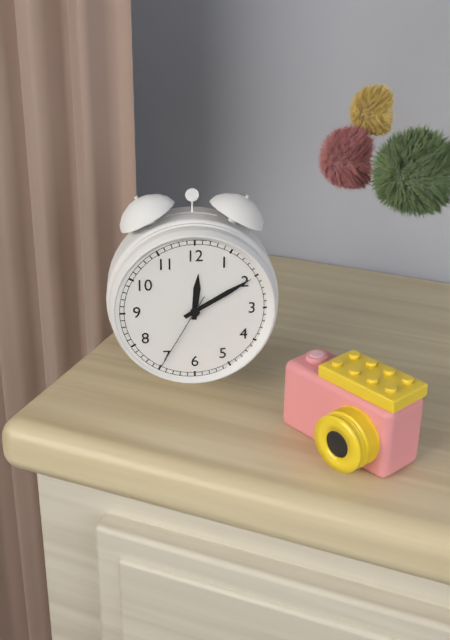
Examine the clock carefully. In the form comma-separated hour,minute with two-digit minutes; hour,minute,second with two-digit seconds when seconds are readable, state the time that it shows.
12,10,35
